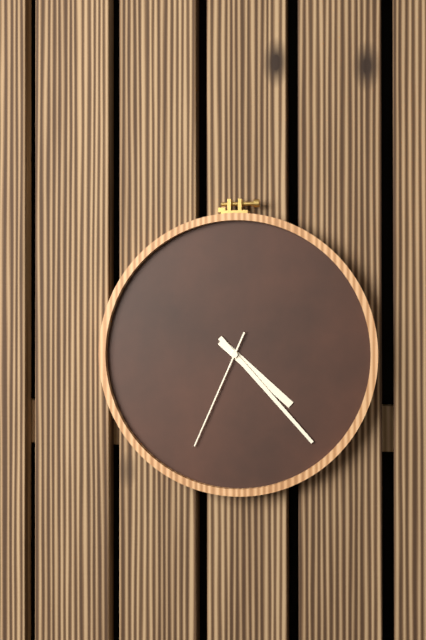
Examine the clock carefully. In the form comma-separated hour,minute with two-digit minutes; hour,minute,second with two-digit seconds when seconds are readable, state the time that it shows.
4,23,34
